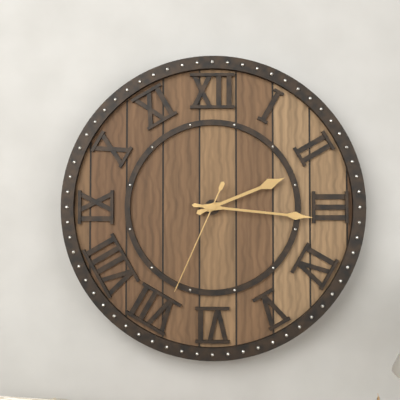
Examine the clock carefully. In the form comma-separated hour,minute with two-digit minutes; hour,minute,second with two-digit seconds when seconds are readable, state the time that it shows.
2,16,34
